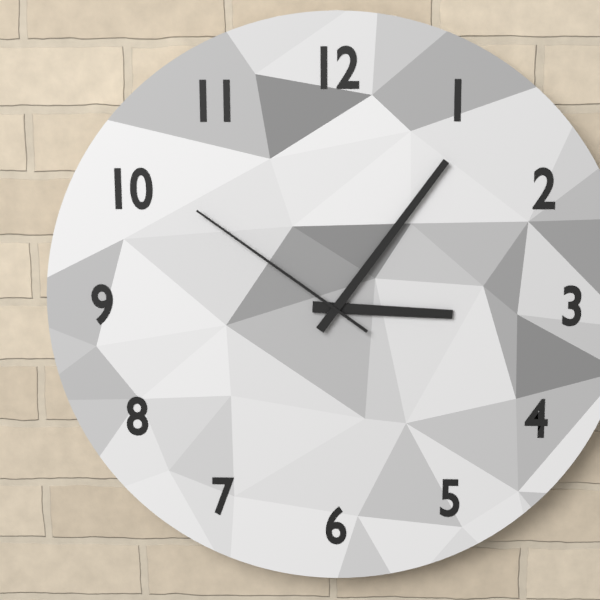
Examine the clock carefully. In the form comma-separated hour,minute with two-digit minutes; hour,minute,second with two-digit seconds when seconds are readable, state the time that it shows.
3,06,51
